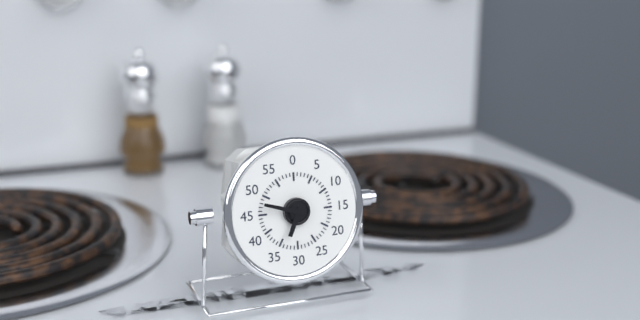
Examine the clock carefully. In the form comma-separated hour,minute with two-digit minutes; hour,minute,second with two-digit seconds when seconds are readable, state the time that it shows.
6,48
